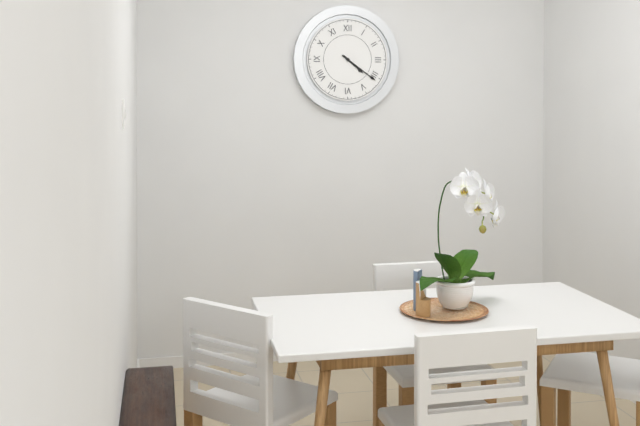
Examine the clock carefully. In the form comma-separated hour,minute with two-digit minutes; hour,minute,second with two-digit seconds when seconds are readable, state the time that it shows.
4,21
